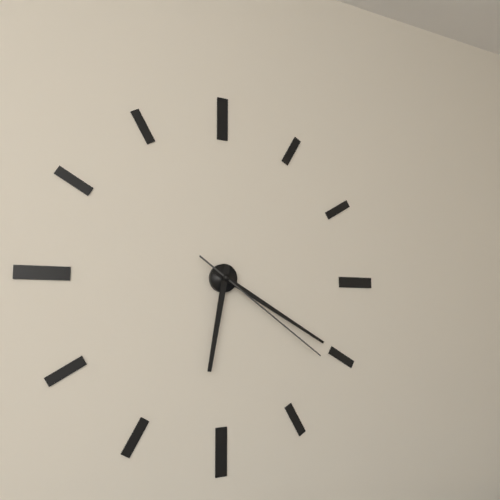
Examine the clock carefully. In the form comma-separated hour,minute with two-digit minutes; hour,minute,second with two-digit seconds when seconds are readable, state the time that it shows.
6,20,21
